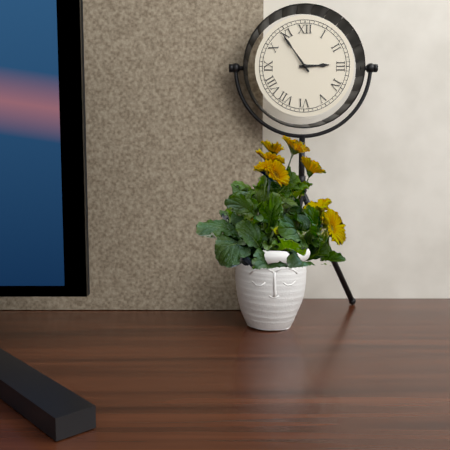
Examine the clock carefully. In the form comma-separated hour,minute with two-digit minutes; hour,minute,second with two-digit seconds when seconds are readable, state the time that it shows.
2,54
